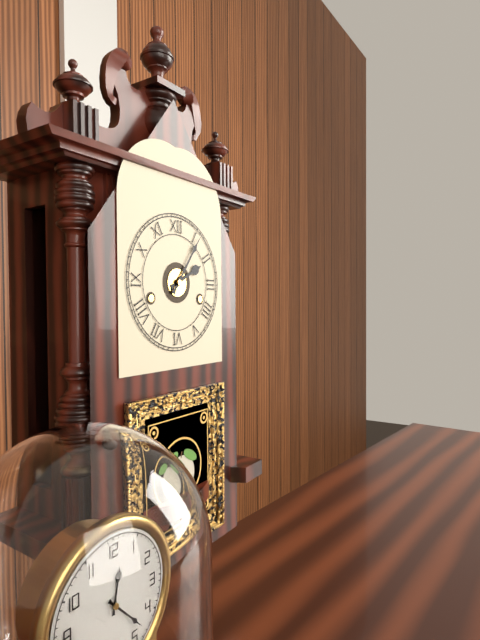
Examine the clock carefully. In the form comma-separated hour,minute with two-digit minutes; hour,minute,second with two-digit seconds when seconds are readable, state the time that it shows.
2,06
